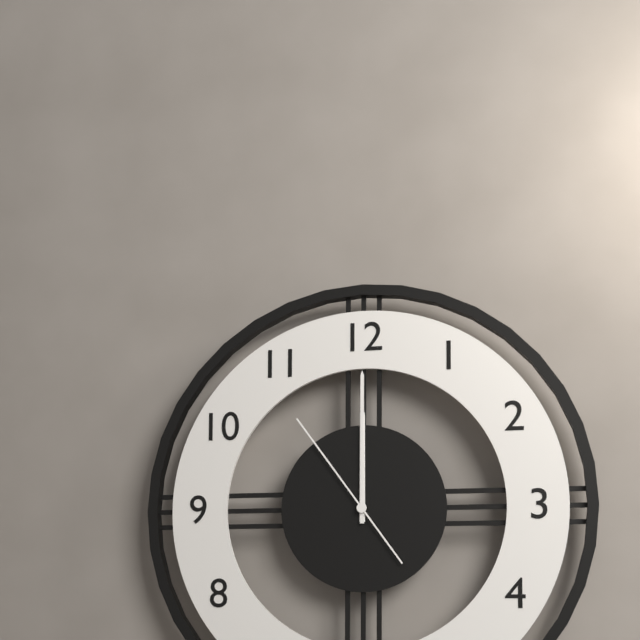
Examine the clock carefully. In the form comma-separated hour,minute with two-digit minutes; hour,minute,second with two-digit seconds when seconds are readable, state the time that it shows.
12,00,54
